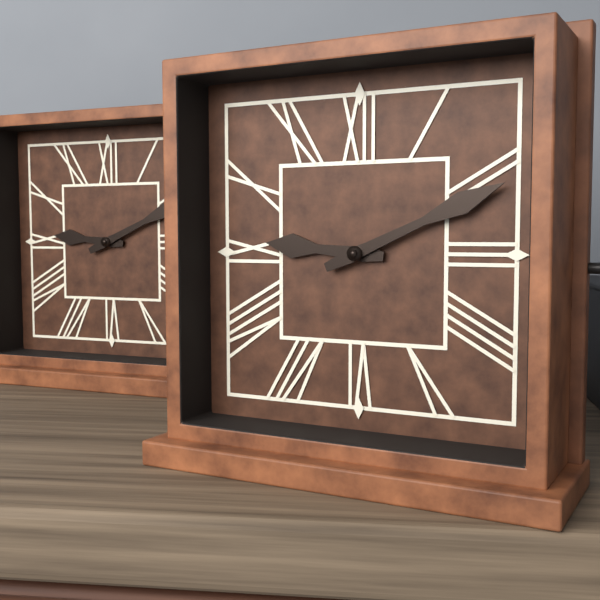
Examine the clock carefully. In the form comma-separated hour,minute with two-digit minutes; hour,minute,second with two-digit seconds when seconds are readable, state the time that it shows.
9,11
